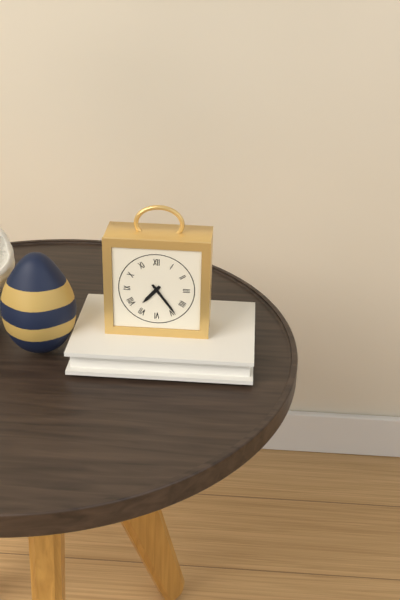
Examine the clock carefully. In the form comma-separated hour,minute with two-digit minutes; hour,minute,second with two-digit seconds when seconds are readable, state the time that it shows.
7,24
